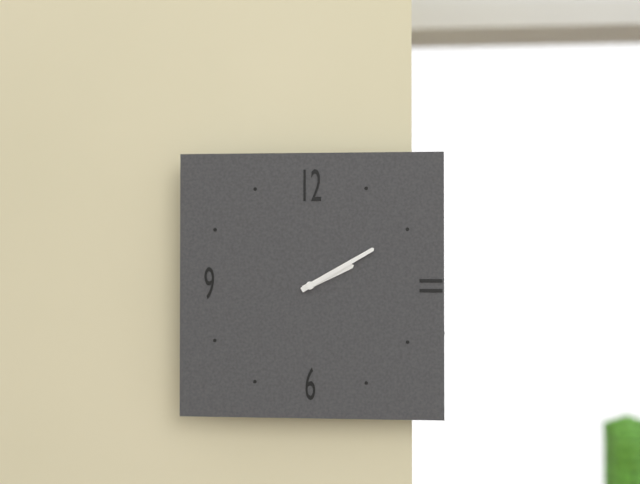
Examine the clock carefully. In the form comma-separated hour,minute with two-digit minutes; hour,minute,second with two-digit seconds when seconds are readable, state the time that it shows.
2,10
